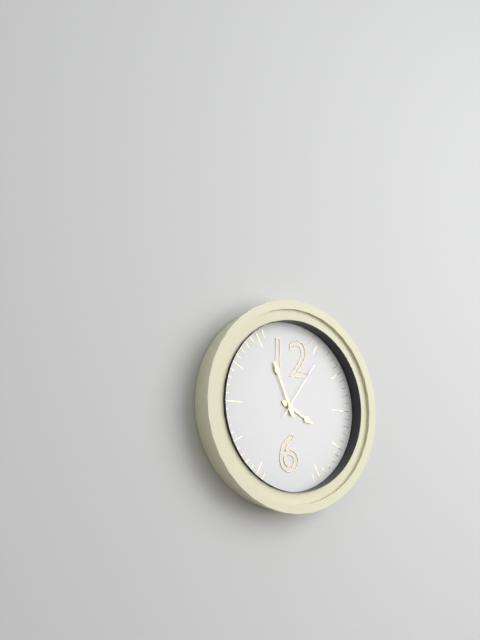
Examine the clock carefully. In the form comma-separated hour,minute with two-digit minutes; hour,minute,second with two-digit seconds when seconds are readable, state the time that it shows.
3,56,06
